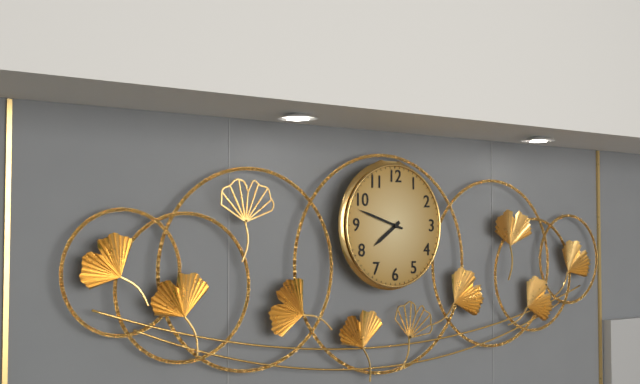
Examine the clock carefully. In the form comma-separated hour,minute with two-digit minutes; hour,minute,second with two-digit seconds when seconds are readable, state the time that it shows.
7,48
